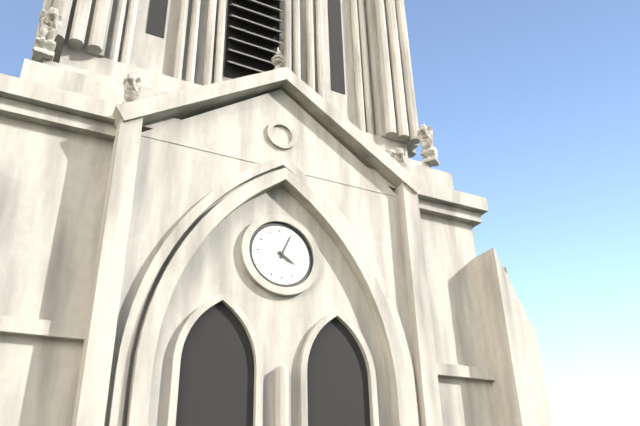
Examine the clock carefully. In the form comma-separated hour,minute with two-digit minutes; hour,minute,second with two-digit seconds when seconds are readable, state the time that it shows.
4,04
